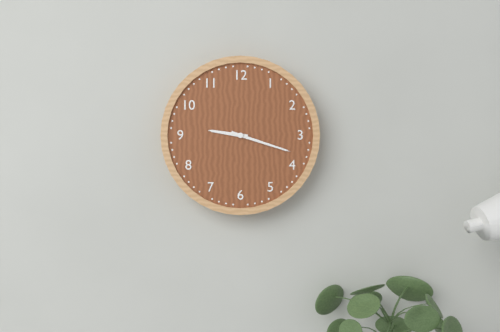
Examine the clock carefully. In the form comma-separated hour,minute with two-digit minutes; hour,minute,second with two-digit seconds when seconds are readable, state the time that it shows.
9,18
